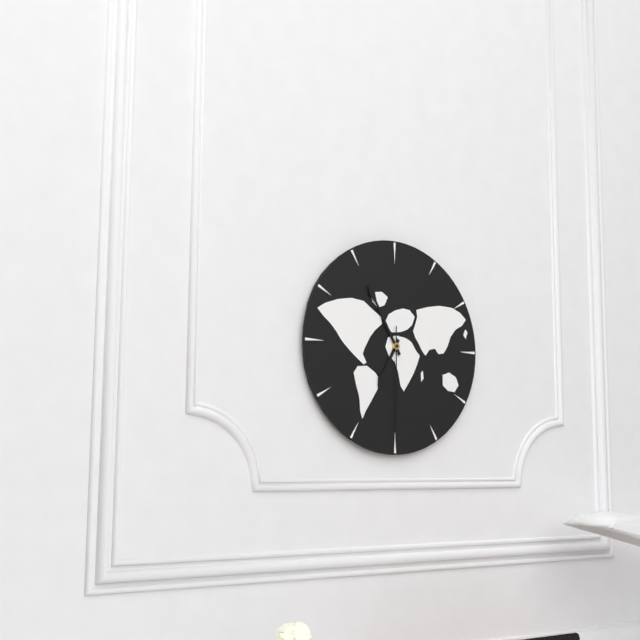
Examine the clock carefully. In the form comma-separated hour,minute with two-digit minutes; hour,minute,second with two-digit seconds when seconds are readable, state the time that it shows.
6,55,30
